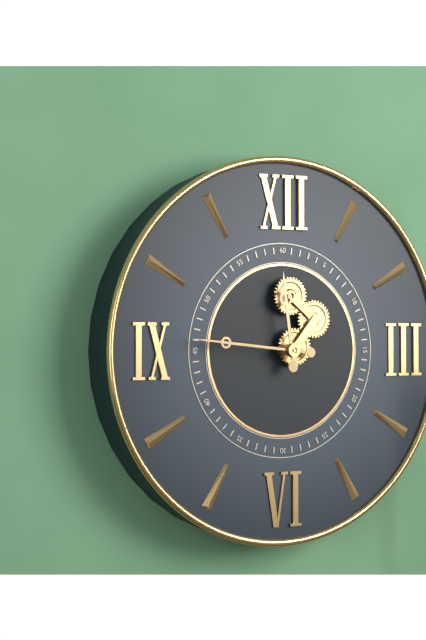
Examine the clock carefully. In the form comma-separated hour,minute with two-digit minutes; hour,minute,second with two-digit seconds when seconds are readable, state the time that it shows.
11,46
